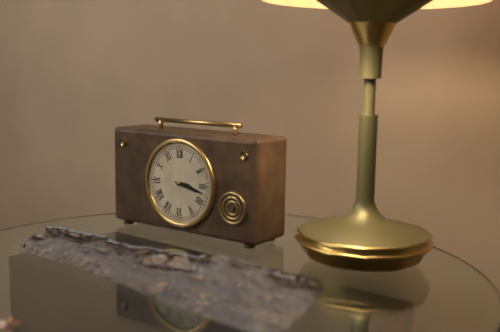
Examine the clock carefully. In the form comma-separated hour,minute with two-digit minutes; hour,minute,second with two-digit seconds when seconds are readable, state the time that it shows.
3,17
